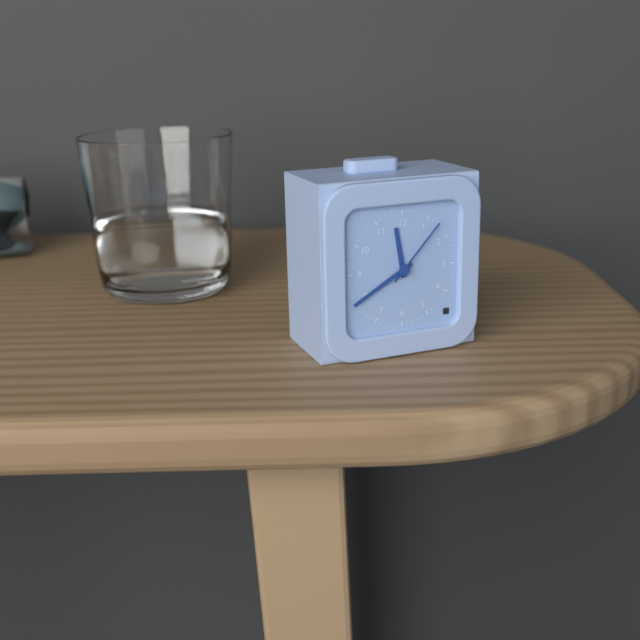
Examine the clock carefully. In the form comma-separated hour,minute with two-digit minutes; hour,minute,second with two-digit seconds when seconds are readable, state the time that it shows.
11,40,07
